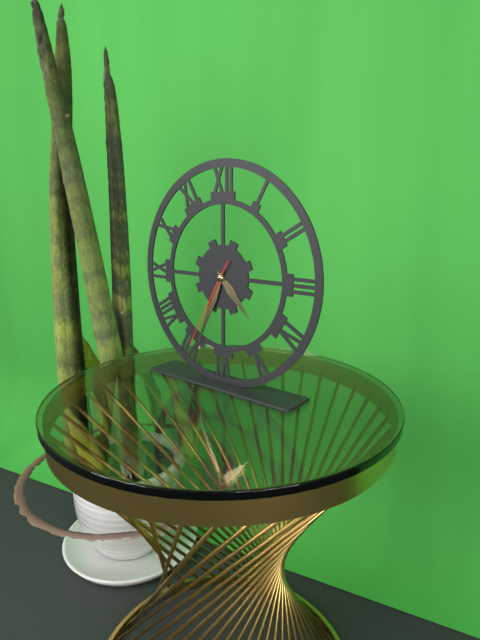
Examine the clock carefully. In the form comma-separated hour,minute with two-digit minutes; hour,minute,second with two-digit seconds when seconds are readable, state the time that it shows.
4,34,35
